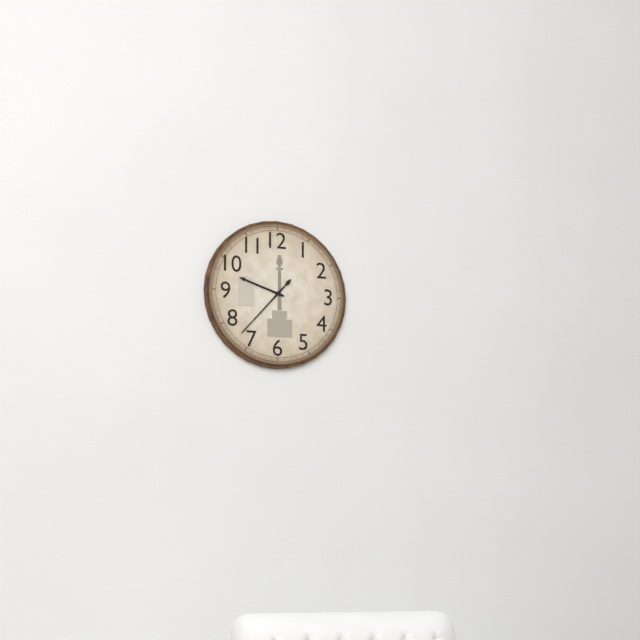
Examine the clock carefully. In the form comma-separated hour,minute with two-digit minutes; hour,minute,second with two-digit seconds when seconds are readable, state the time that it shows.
9,37
